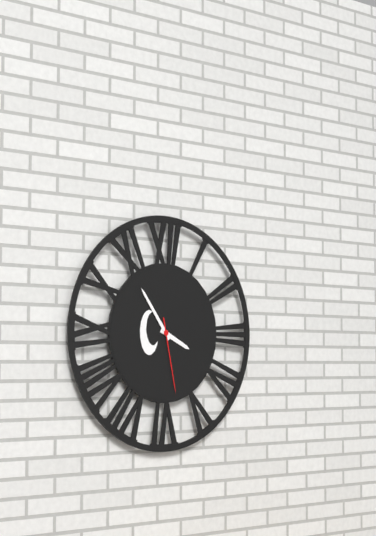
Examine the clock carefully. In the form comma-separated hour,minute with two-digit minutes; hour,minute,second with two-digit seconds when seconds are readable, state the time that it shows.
3,54,28
